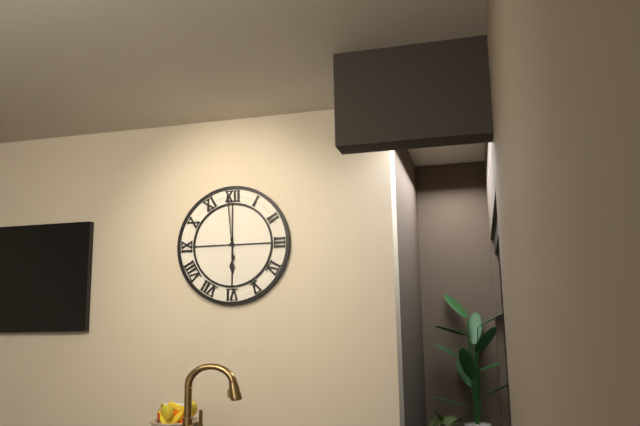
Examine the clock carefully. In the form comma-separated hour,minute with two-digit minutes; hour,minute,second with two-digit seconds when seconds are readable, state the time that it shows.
5,59
